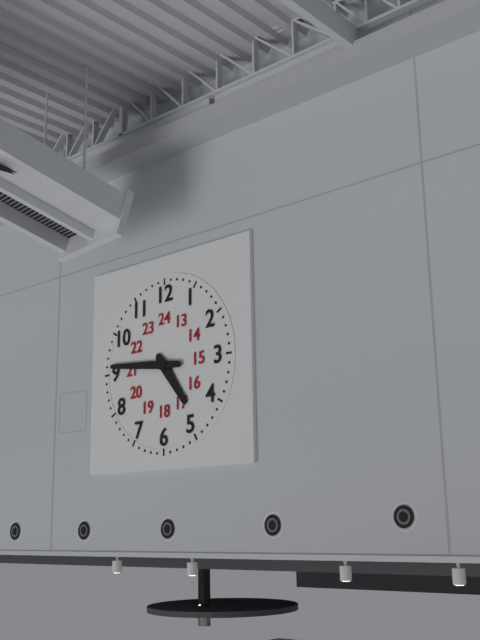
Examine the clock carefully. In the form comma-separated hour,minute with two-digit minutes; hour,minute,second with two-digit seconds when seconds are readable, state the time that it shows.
4,46
